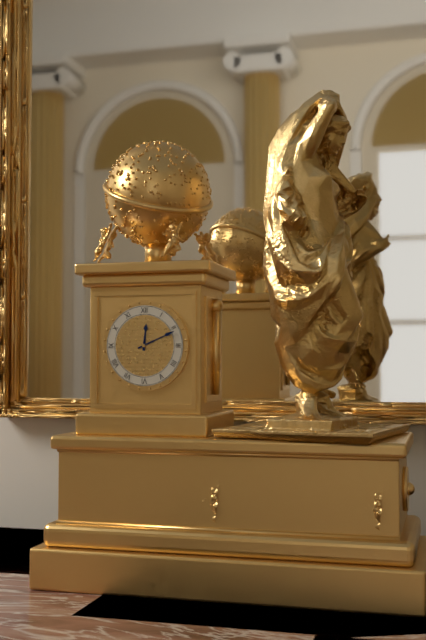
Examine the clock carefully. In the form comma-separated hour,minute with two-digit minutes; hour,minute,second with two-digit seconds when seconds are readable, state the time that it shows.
12,11
